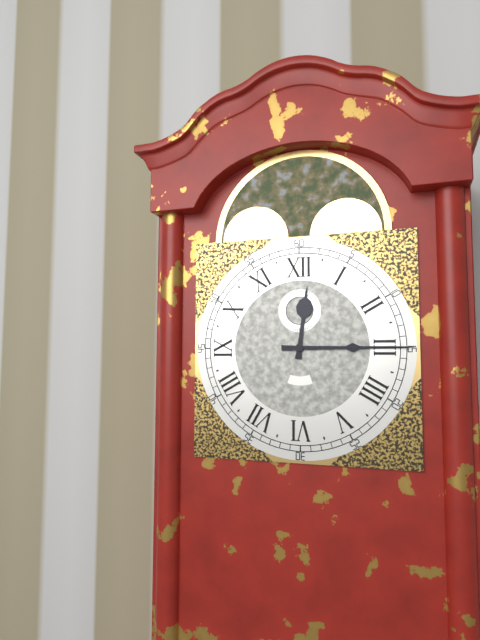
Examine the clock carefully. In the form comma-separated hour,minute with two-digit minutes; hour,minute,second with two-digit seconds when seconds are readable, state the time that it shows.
12,15
